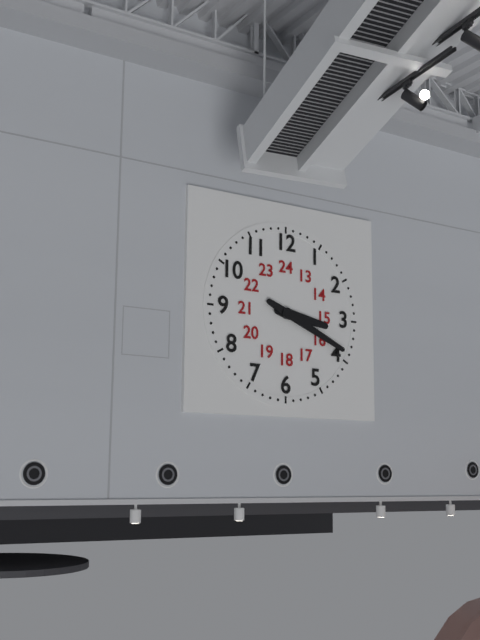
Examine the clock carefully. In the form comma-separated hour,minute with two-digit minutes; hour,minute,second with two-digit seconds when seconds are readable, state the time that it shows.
3,19
